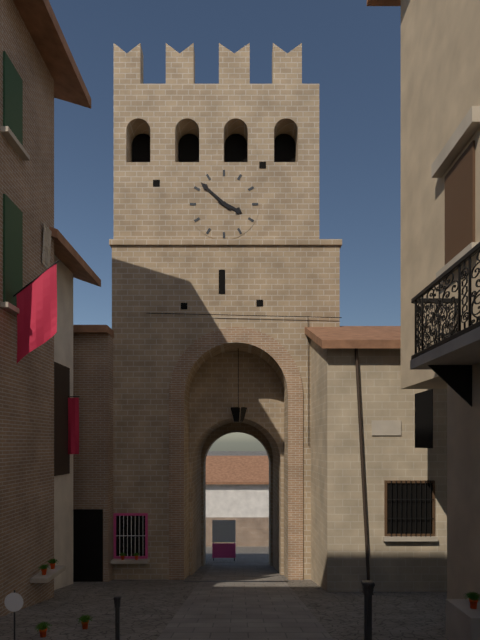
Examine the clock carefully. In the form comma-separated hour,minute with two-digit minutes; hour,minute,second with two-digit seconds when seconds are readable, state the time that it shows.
3,52
